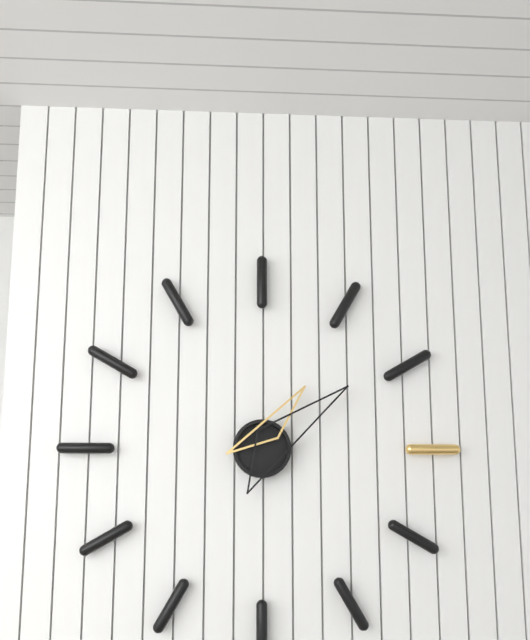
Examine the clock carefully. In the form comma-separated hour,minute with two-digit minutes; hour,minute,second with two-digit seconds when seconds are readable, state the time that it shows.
1,09
